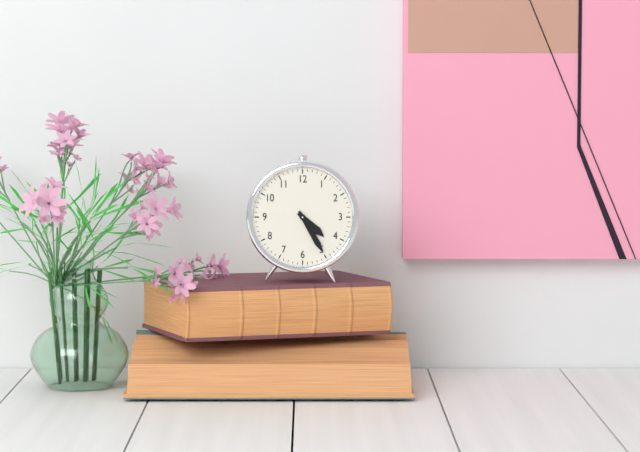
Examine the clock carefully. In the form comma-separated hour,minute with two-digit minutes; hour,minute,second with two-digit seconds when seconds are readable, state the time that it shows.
4,25
